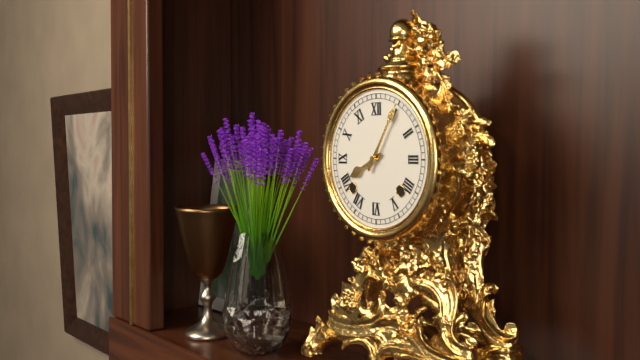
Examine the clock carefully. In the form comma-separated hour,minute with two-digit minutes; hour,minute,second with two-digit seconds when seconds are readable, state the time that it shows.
8,05
